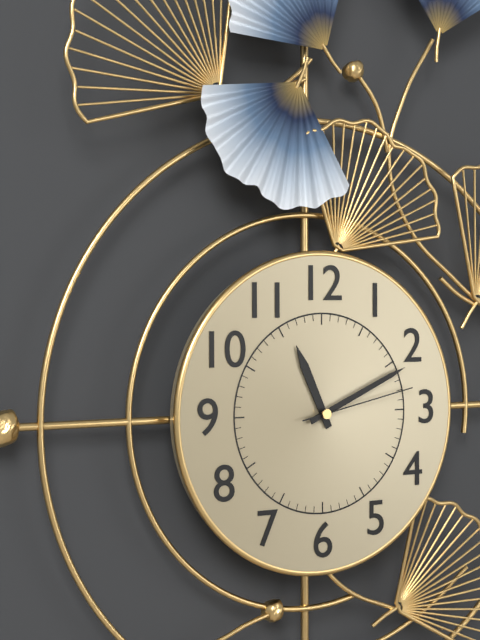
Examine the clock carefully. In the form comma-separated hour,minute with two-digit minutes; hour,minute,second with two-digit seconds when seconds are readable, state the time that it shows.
11,11,13
